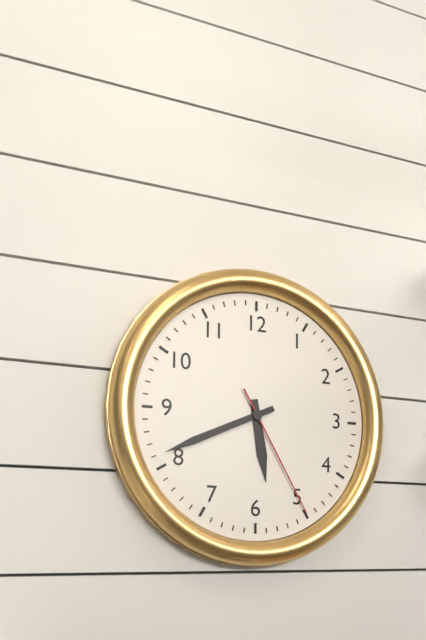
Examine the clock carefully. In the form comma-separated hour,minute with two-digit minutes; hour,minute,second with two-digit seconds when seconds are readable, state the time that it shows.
5,41,25
